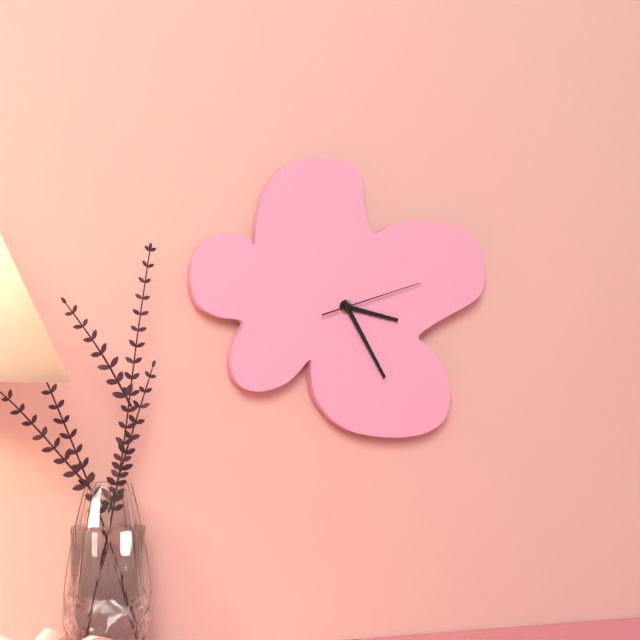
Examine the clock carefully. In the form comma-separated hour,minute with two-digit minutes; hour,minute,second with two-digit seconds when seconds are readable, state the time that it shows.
3,25,12
